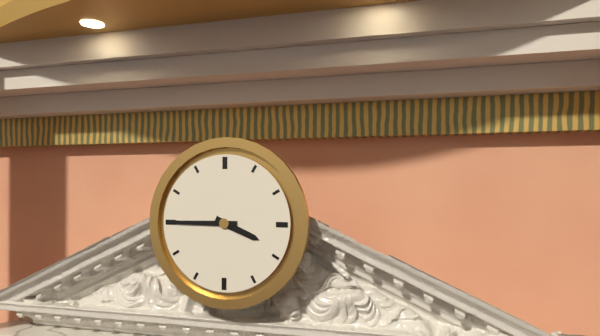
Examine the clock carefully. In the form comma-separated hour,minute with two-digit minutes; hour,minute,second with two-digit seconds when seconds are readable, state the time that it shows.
3,45
